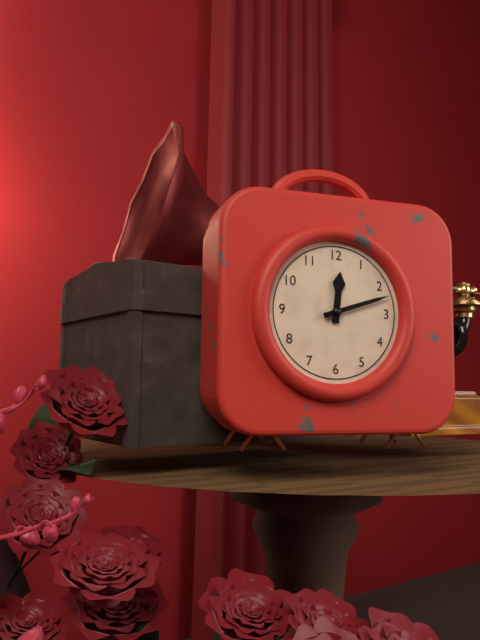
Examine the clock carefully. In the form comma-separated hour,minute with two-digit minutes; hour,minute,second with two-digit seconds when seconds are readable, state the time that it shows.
12,12
